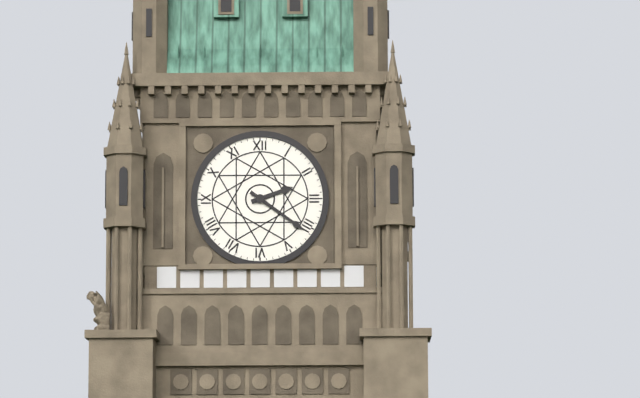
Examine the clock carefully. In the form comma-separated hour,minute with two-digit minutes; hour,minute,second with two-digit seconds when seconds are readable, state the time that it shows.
2,21
